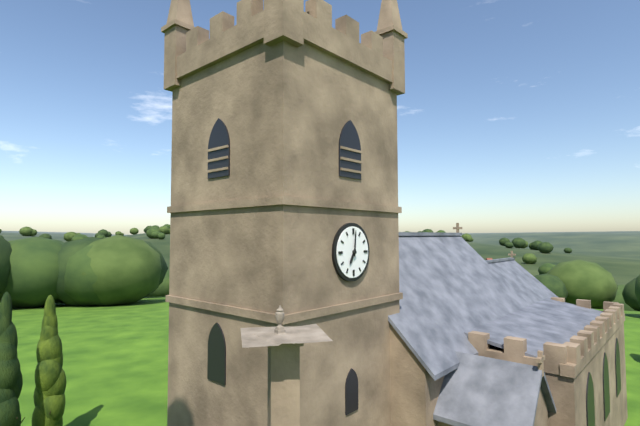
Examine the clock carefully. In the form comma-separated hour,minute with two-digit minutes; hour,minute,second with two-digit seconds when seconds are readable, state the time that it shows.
7,01
